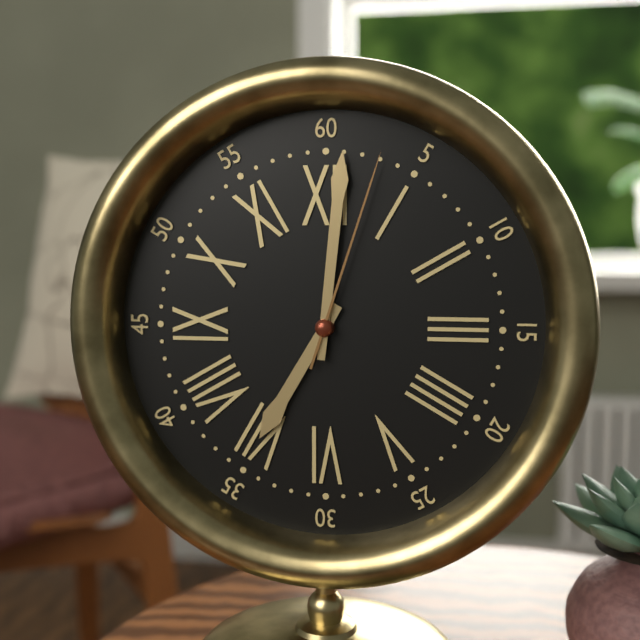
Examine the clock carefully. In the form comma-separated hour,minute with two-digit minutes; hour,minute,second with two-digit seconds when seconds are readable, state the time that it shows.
7,01,03
